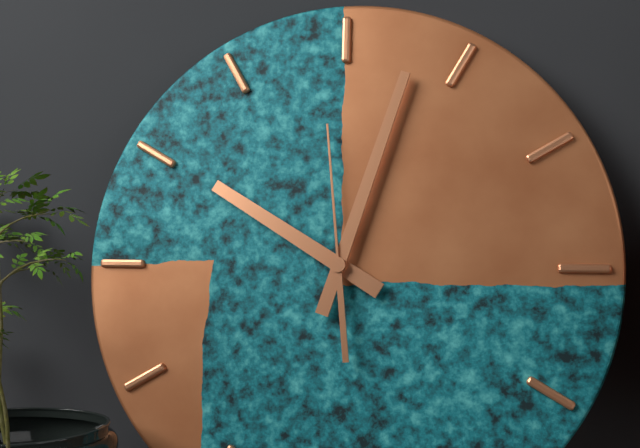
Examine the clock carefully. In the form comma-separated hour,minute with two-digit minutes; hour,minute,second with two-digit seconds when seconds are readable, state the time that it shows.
10,03,59
